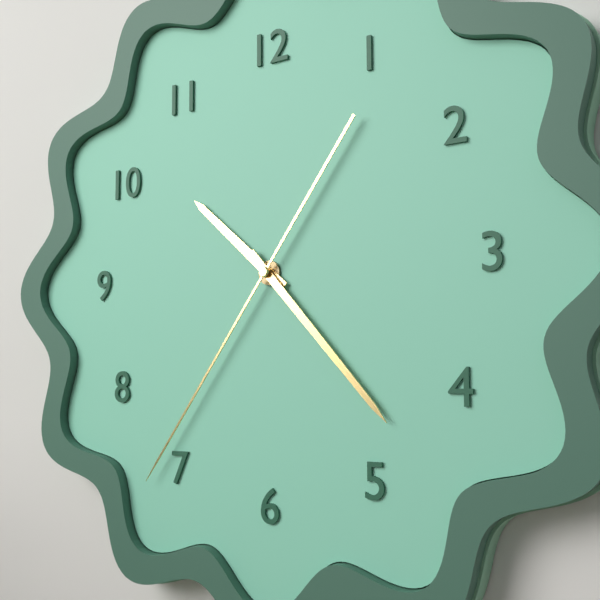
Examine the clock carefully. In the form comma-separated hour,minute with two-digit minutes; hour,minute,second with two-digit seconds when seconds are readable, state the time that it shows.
10,23,36
